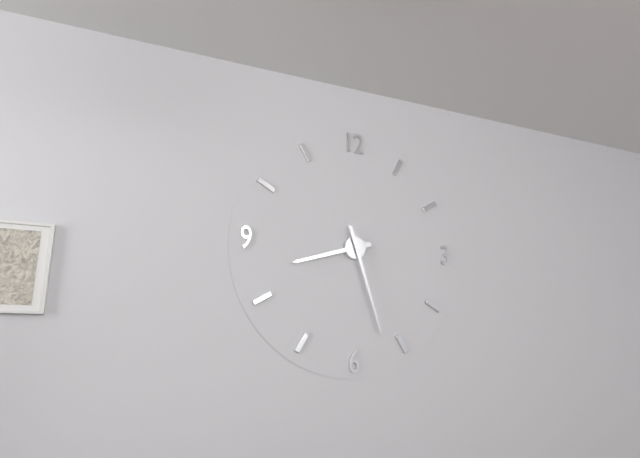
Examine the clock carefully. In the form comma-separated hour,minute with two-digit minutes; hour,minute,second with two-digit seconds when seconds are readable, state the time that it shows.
8,27
